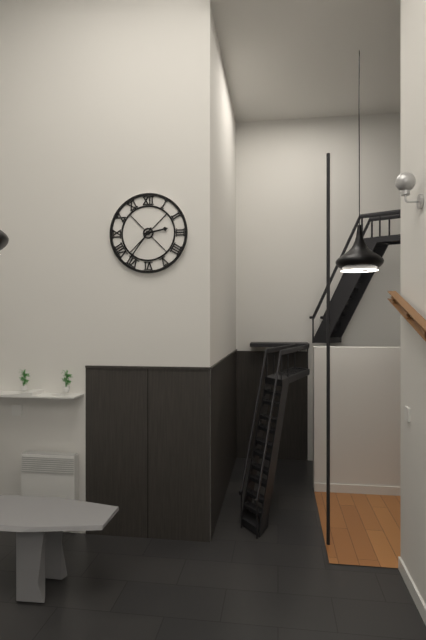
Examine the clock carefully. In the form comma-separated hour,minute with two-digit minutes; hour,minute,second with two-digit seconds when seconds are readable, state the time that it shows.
2,36
